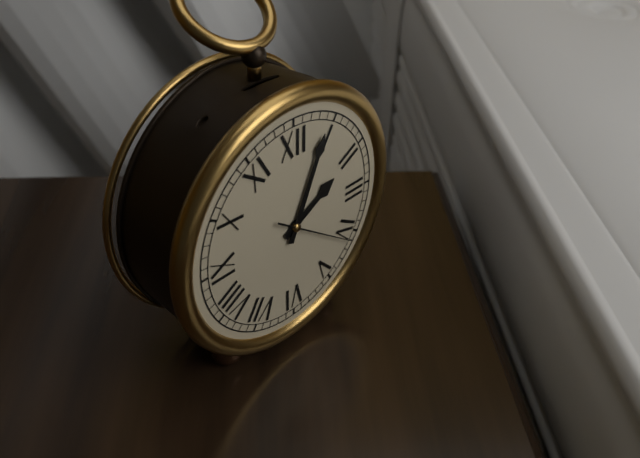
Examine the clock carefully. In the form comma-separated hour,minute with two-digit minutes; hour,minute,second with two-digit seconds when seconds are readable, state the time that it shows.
2,04,21
